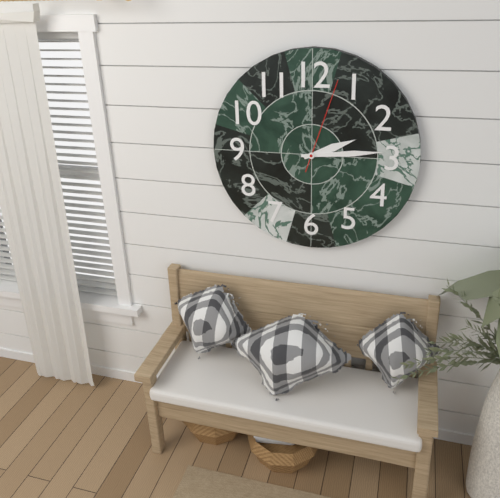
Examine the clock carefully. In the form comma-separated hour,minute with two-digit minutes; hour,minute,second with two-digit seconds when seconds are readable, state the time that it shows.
2,14,03
